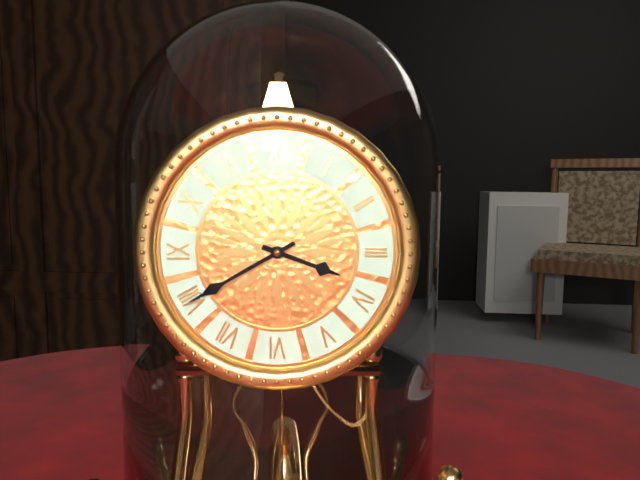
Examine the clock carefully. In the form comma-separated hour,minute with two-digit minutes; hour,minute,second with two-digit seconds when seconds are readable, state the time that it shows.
3,40
